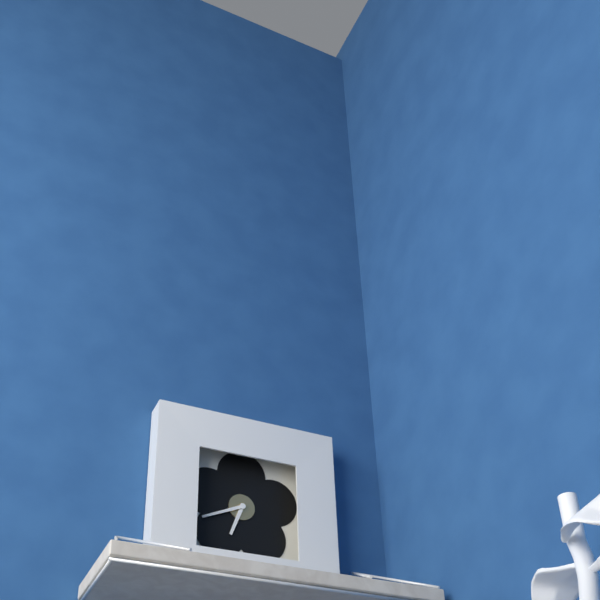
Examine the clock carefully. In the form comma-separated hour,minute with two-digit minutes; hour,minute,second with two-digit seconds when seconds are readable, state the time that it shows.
6,41
